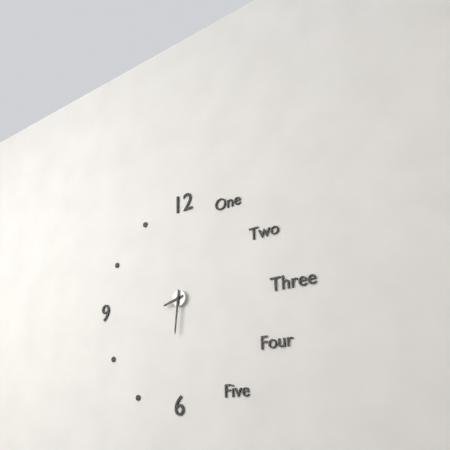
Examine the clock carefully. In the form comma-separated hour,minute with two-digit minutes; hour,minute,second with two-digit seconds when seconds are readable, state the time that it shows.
8,31
